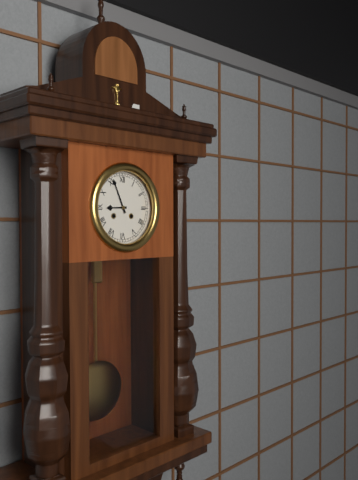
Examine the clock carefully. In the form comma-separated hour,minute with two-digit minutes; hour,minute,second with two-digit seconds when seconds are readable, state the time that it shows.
8,56
